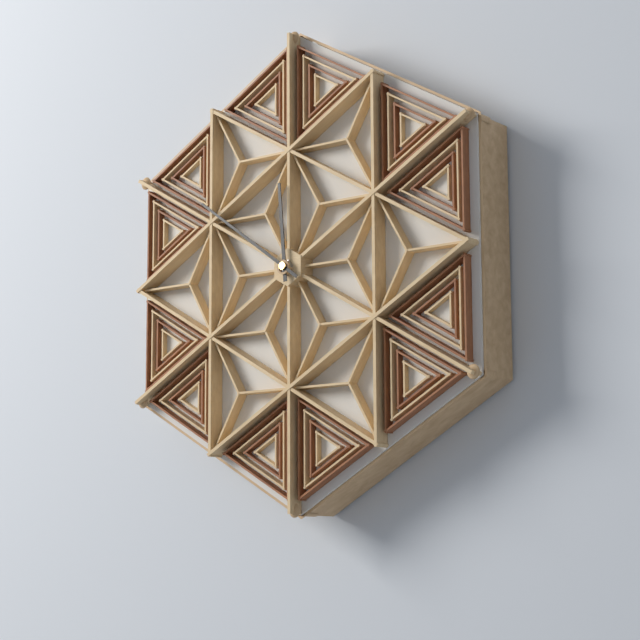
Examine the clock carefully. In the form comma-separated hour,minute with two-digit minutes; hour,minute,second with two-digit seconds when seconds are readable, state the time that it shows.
11,51
